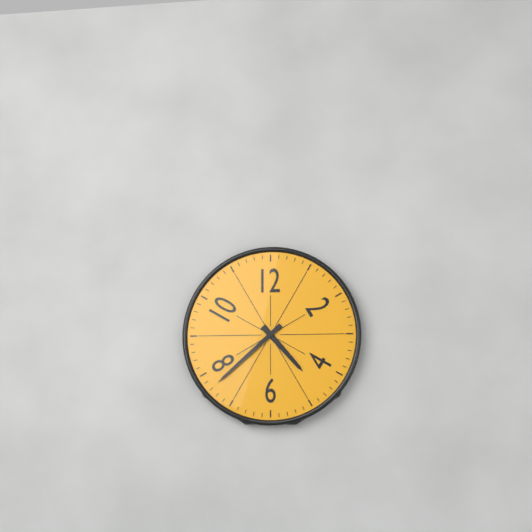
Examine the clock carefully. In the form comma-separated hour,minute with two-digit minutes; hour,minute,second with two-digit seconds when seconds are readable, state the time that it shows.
4,38
